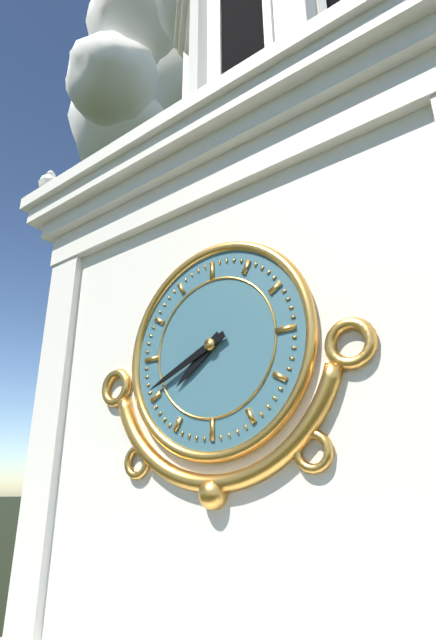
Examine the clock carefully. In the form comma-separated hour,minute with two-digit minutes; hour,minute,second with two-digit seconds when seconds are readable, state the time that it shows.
7,41
